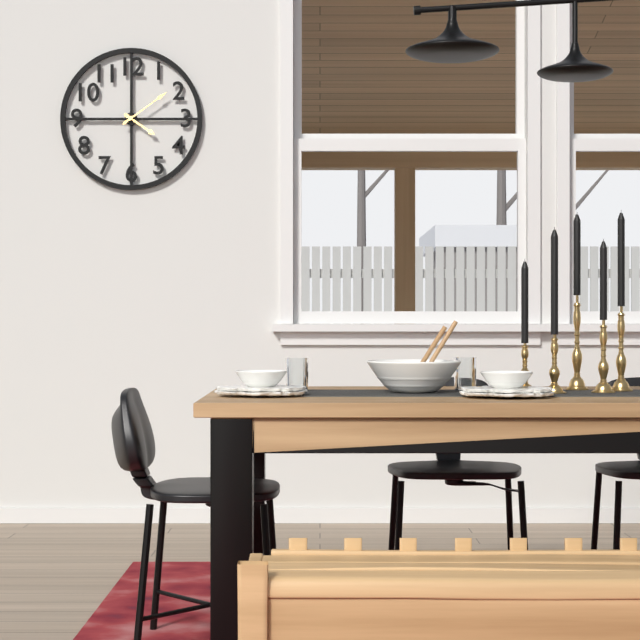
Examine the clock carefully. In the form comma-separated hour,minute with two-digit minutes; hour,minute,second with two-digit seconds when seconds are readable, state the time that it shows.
4,09
